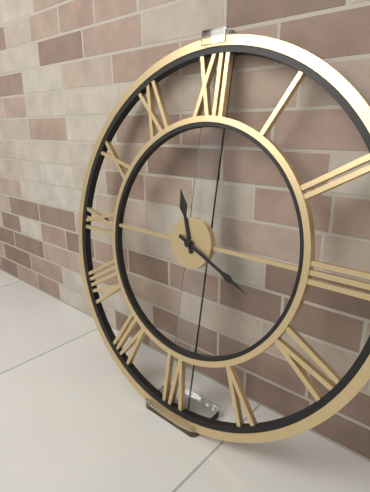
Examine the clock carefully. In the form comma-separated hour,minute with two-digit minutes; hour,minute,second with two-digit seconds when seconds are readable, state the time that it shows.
11,19
